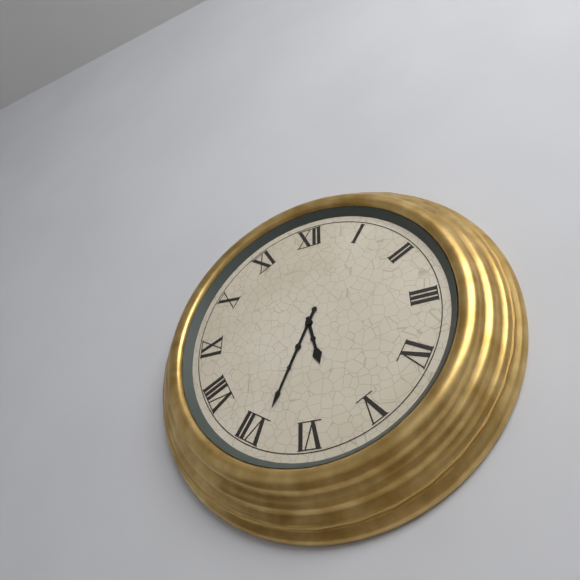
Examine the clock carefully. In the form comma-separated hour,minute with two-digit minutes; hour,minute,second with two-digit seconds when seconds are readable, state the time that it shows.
5,34
